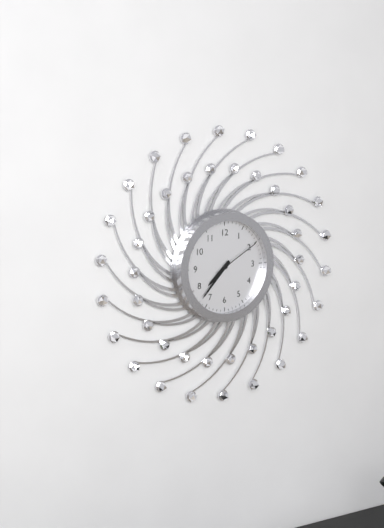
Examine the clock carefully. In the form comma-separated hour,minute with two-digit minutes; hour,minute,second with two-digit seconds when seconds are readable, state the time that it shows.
7,37,10
